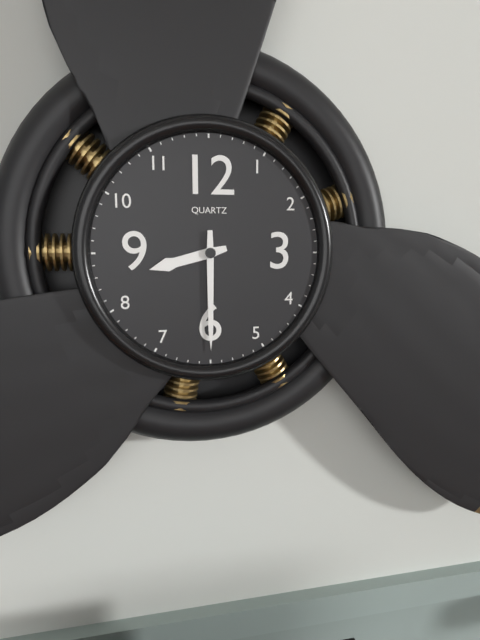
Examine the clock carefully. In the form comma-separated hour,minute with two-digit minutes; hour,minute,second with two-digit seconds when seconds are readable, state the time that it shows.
8,30
